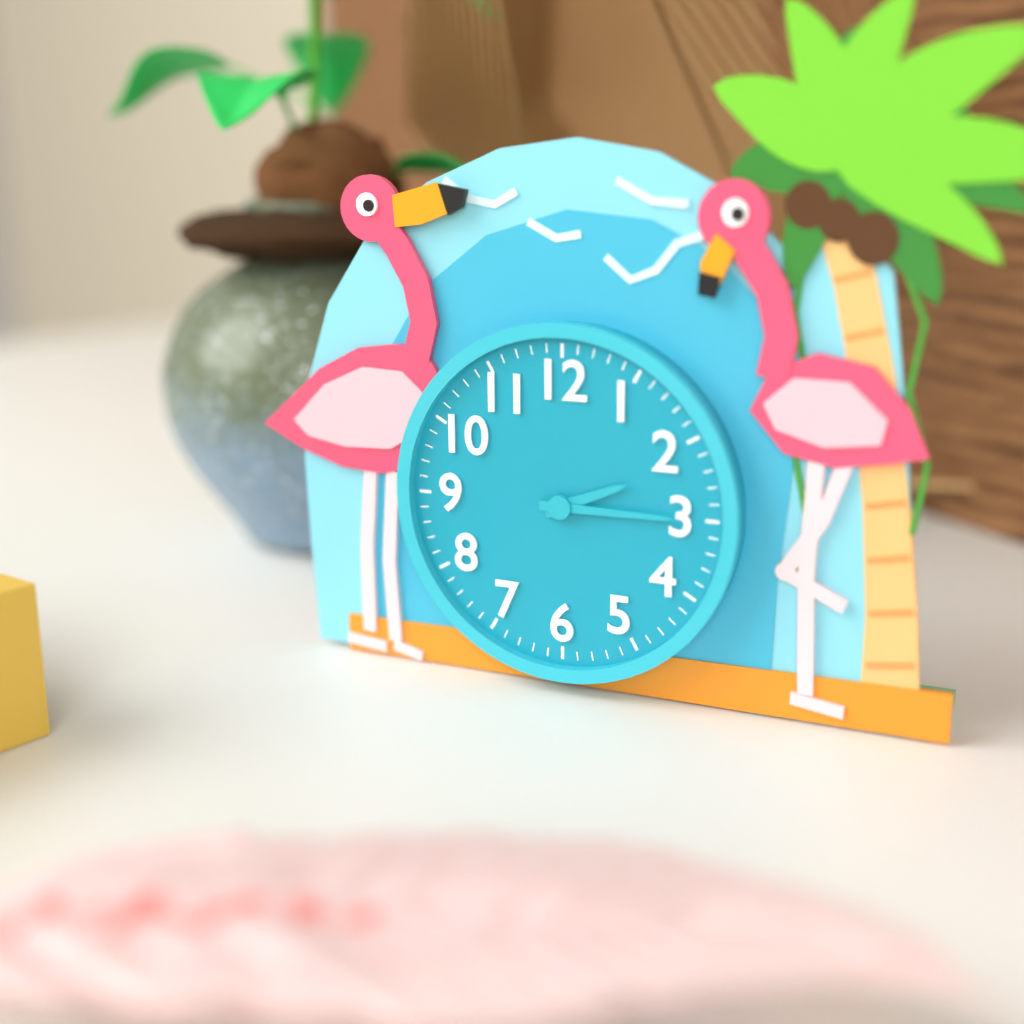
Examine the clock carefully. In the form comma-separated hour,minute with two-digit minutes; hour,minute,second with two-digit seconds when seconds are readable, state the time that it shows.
2,15
